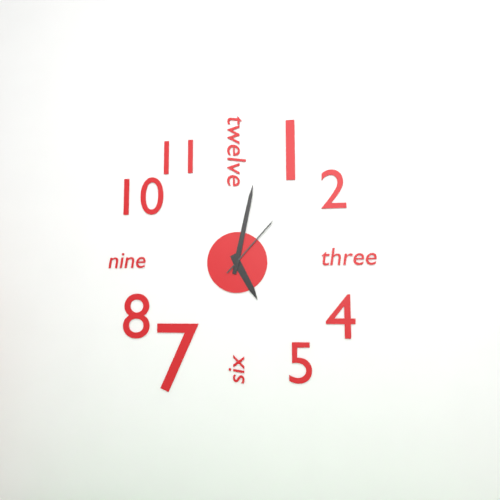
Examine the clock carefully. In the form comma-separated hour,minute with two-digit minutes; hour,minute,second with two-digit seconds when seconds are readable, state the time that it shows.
5,02,07
